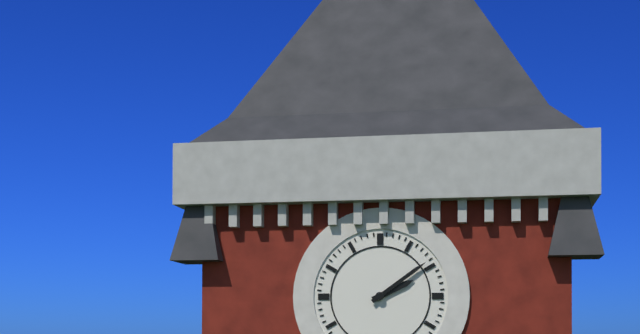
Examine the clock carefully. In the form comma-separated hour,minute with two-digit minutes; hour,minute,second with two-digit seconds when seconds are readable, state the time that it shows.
2,09
